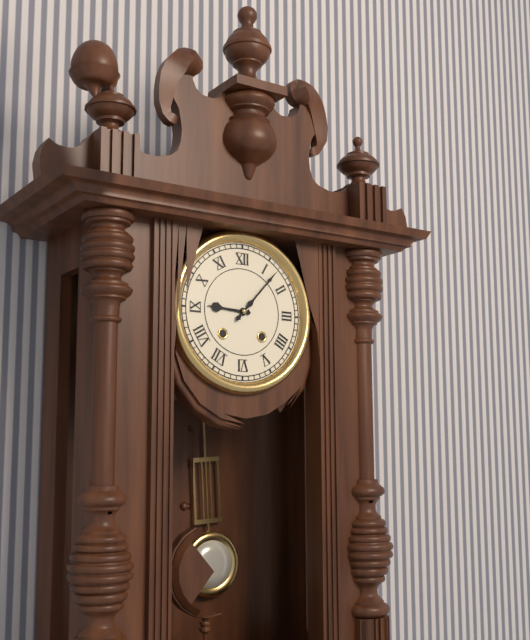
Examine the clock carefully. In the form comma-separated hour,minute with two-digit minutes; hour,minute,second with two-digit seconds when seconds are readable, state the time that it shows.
9,07
